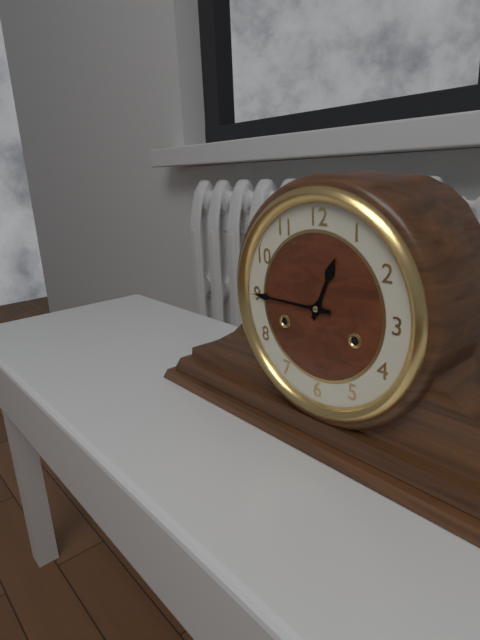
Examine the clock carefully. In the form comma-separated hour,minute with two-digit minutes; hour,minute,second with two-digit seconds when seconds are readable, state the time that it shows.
12,45
